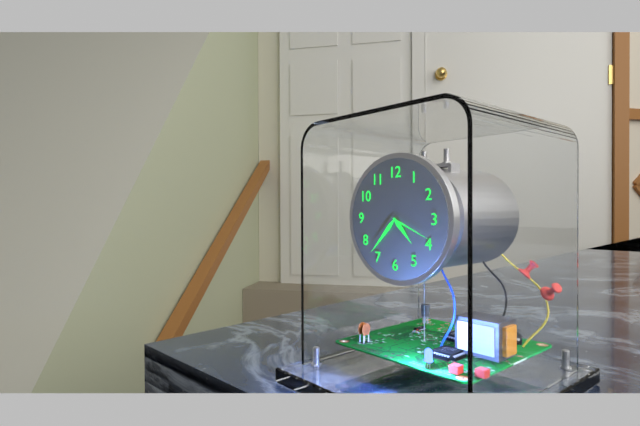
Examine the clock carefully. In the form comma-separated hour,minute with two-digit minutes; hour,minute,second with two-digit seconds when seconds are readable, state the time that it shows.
4,37,19
